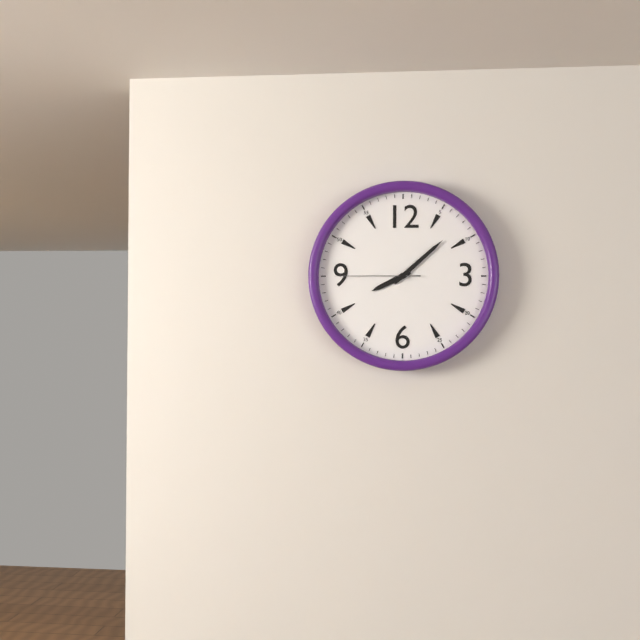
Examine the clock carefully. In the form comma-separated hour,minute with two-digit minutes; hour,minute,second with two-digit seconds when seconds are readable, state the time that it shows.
8,08,45
